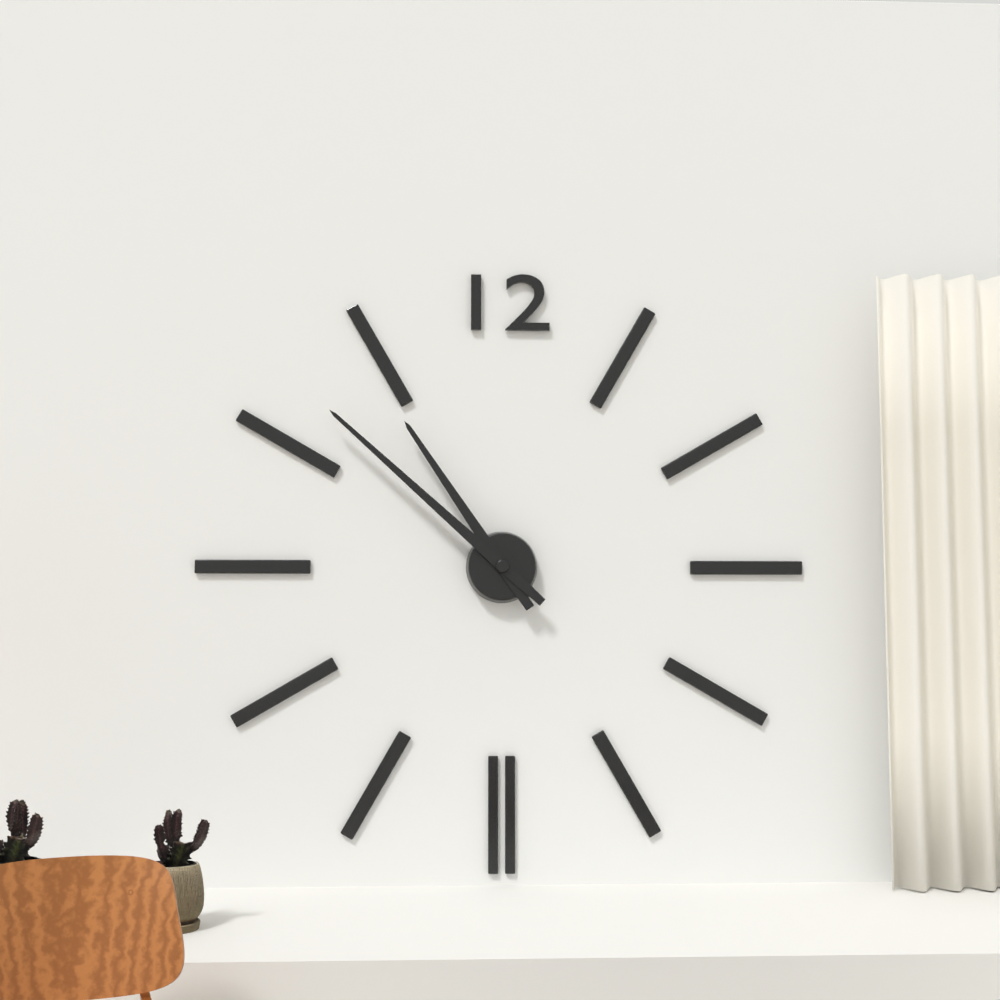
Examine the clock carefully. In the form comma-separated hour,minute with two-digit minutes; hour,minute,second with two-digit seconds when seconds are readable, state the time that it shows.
10,52
